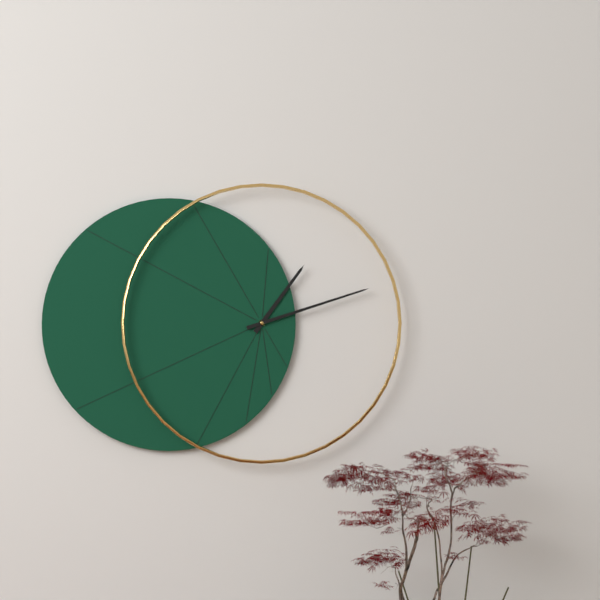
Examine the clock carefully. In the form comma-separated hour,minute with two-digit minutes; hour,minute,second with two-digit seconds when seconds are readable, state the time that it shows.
1,12
